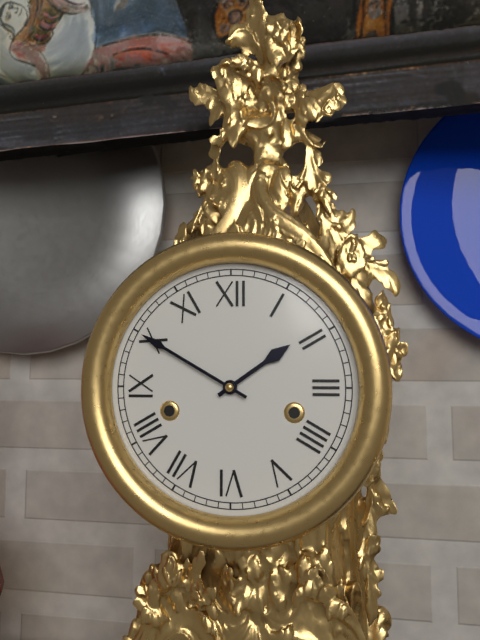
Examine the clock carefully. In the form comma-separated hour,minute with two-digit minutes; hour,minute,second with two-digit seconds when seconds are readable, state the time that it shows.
1,50
